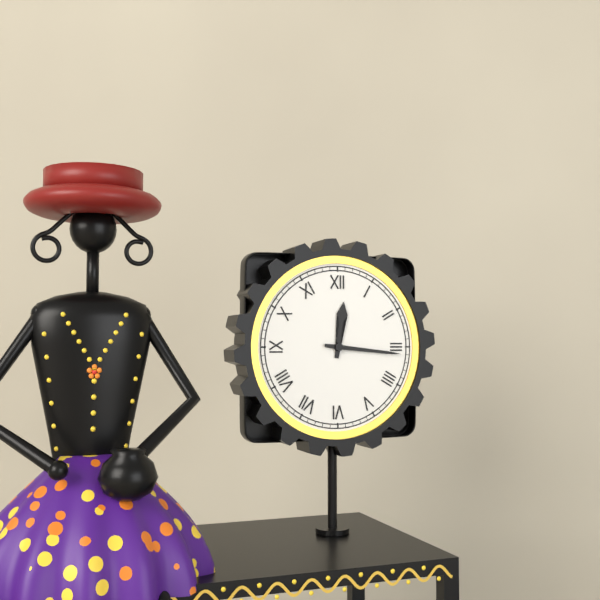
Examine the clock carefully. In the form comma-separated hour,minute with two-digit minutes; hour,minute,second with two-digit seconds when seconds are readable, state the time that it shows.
12,16
